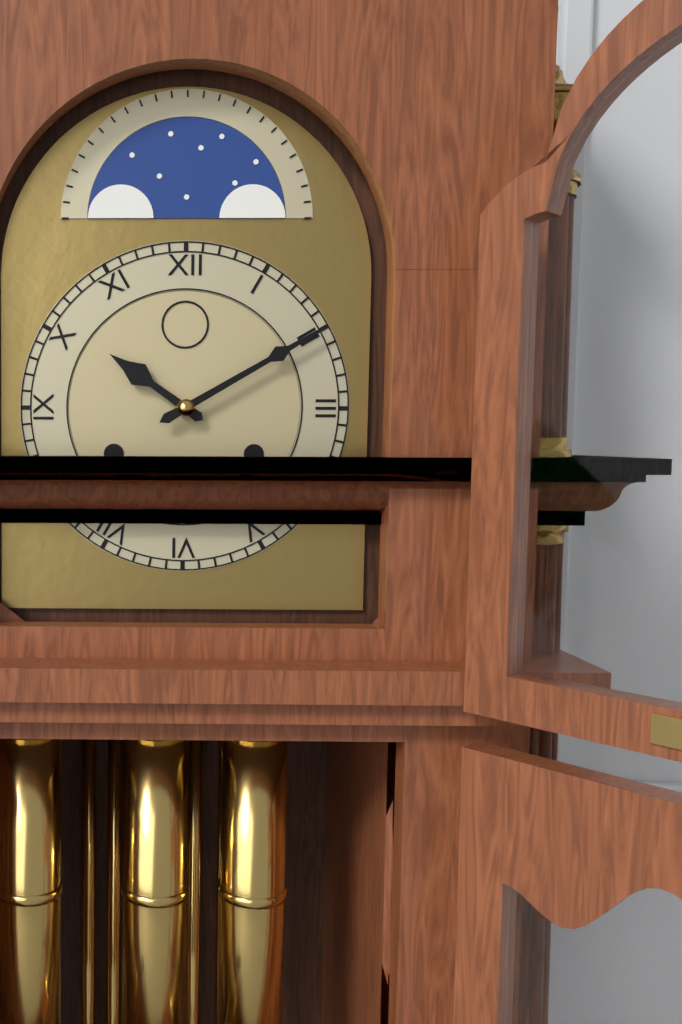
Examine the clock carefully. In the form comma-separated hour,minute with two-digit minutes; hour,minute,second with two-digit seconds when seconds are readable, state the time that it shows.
10,10
